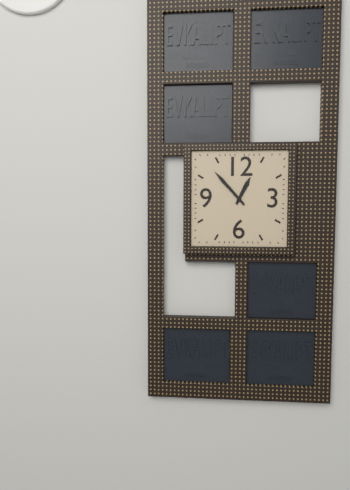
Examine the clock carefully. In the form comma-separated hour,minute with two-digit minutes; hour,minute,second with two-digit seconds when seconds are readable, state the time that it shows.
12,53
